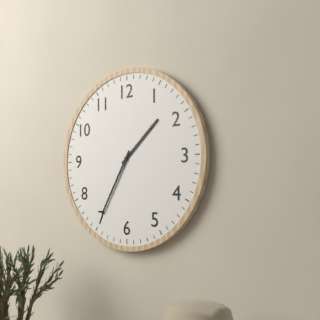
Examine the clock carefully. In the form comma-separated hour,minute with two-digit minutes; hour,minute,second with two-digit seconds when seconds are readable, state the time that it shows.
1,35
